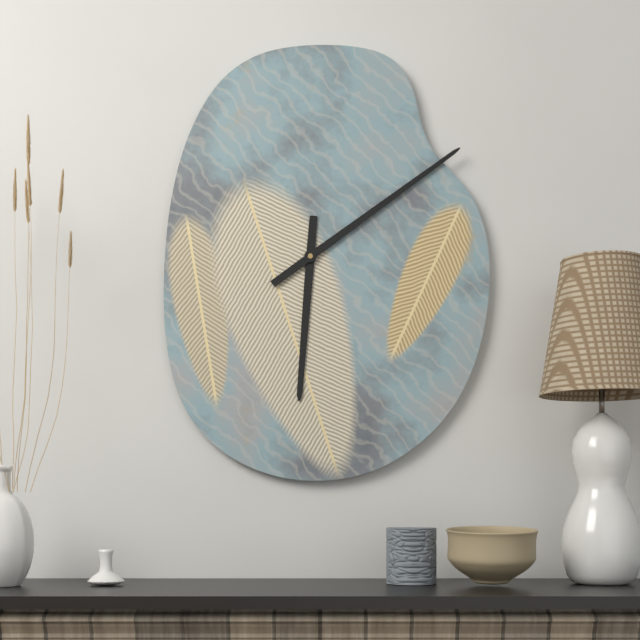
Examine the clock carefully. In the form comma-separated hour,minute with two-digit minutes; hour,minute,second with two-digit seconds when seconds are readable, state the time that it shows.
6,09
